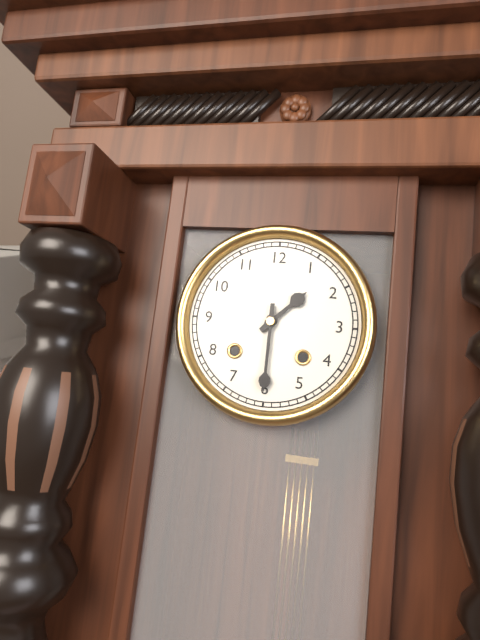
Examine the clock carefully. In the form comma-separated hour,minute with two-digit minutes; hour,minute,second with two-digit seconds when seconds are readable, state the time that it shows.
1,30
